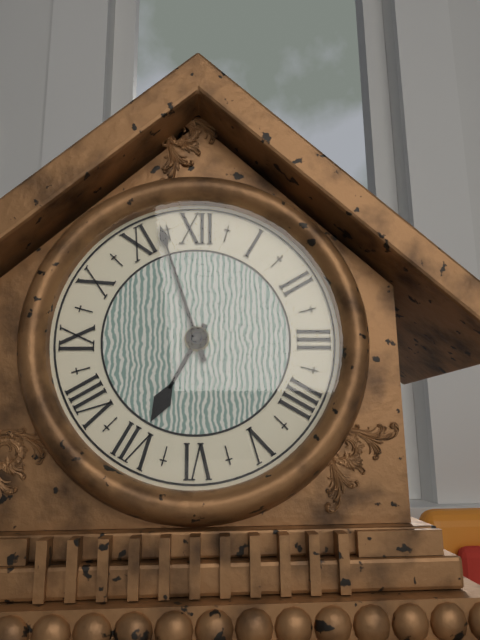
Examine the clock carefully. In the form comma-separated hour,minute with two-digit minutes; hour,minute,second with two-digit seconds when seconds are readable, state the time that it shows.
6,57
